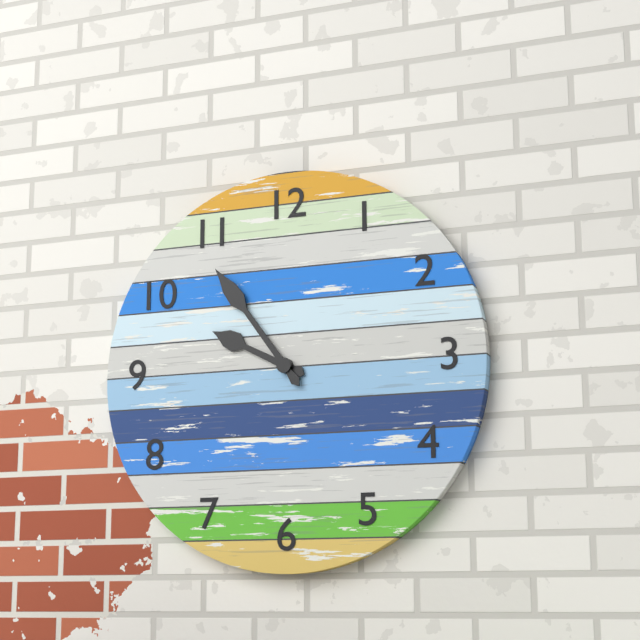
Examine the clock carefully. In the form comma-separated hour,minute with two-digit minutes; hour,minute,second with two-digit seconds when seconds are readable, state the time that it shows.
9,54
